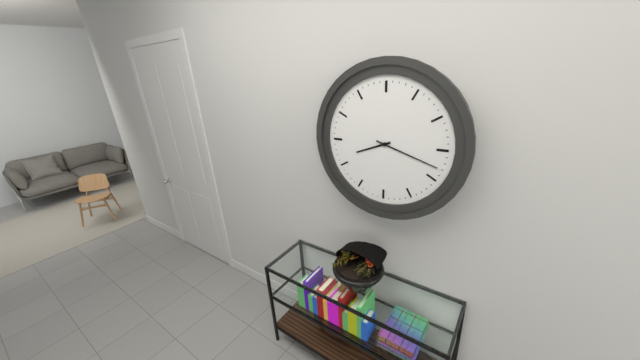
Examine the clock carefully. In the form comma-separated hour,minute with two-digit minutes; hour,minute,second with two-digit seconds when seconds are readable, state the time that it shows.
8,18
